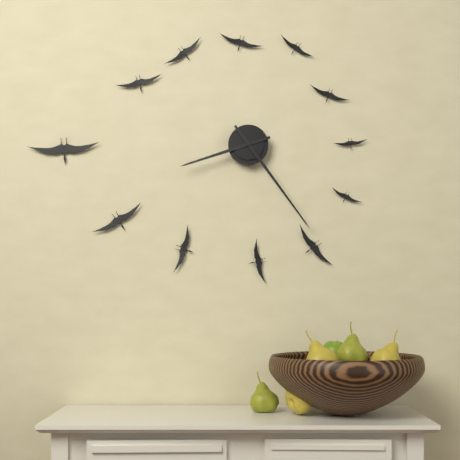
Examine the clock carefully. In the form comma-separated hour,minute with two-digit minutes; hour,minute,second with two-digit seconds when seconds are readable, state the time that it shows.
8,24
